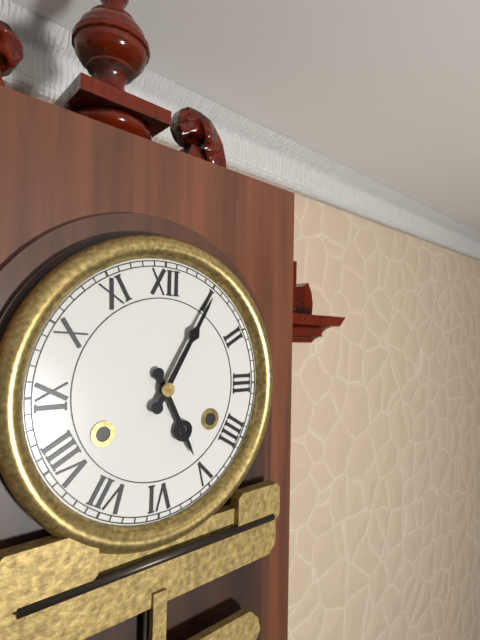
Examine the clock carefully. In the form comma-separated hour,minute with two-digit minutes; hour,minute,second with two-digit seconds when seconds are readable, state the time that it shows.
5,05
